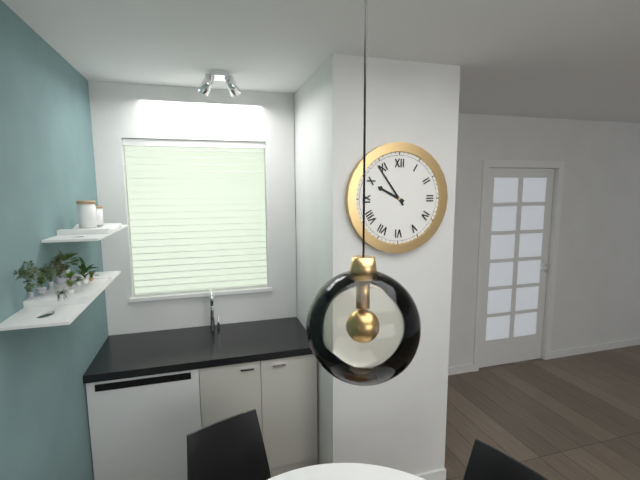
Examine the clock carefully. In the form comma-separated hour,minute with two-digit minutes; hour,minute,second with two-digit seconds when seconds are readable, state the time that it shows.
9,54
